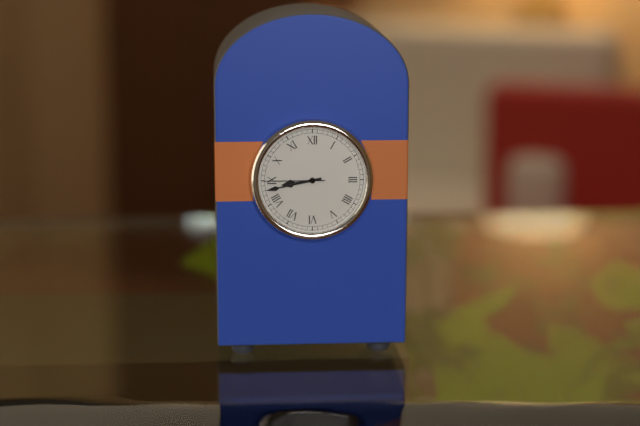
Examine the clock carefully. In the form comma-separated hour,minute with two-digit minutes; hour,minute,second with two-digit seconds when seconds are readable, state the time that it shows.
8,43,45
